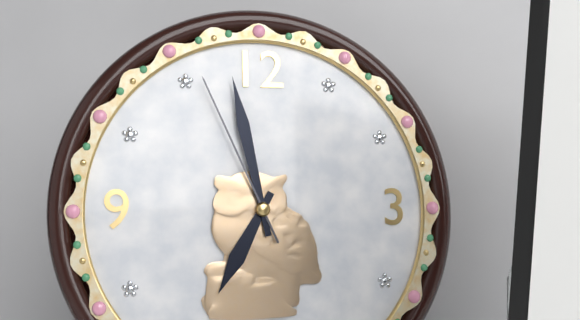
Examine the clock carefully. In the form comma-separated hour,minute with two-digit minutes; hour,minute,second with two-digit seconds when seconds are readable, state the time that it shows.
6,58,56
